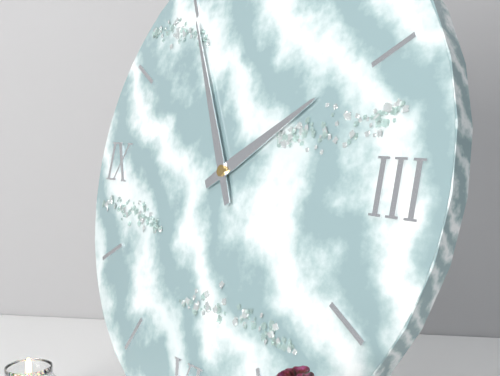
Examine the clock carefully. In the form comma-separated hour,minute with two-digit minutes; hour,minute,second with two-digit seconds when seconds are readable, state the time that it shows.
1,55
